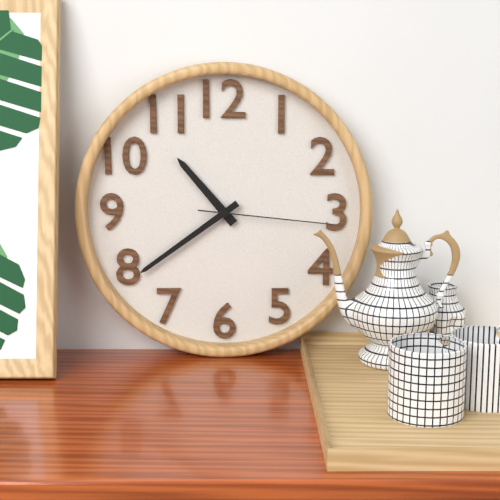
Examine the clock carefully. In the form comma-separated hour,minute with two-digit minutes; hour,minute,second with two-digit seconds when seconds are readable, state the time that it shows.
10,39,16
